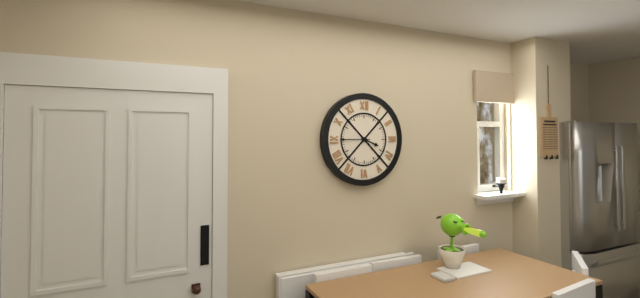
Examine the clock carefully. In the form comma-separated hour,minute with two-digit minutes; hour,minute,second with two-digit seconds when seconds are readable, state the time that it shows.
3,45
